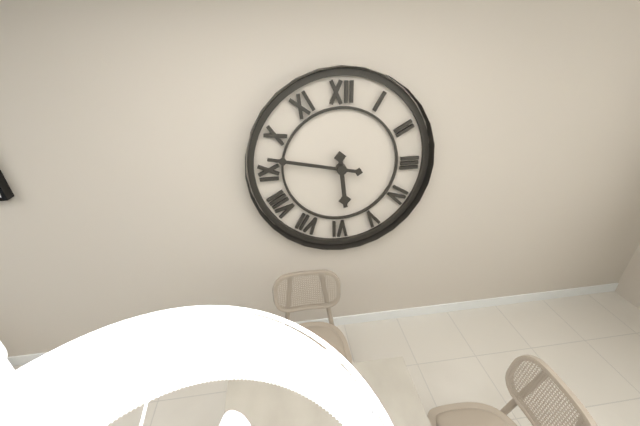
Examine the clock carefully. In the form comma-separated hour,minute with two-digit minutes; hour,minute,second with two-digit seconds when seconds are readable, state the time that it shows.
5,47
